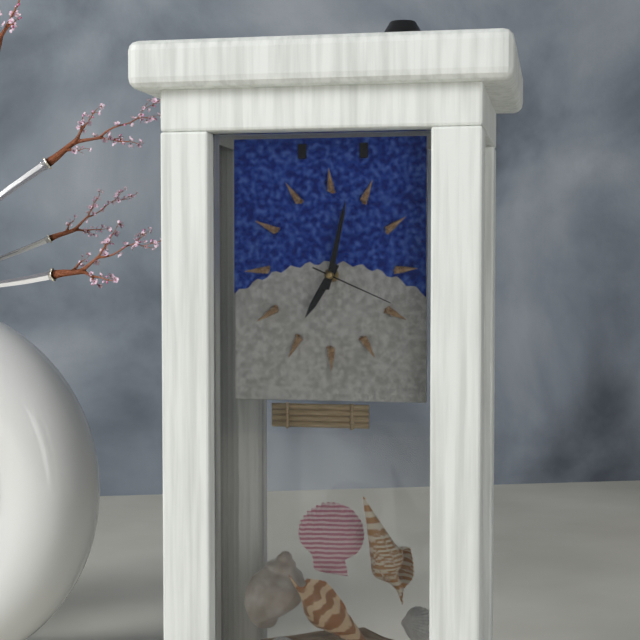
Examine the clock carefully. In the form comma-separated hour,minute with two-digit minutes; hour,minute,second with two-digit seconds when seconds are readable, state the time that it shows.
7,02,19
